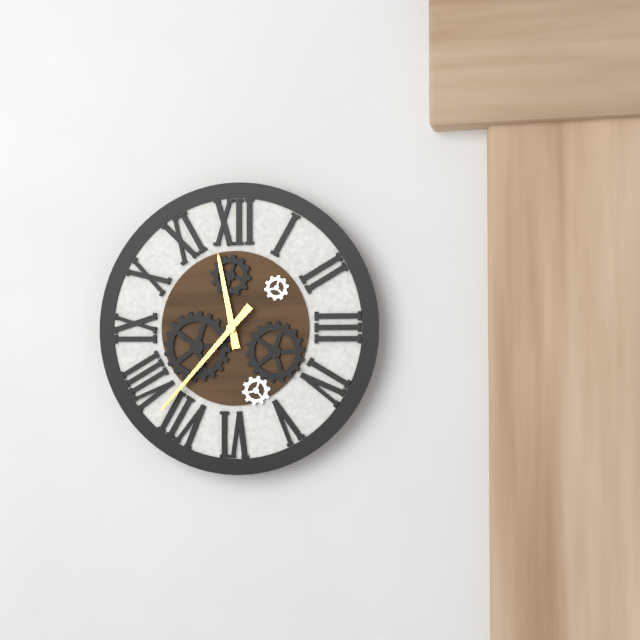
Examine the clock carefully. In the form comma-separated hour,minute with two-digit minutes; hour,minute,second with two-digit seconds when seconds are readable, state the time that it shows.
11,37
